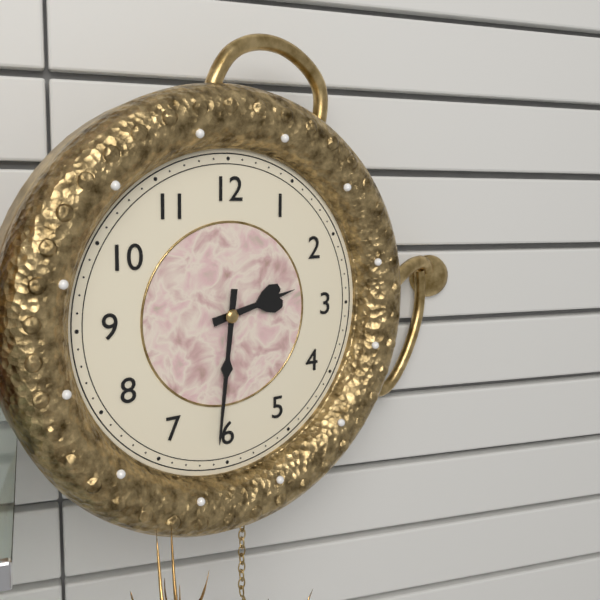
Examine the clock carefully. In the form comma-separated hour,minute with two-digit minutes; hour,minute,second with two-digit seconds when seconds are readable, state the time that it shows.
2,31
